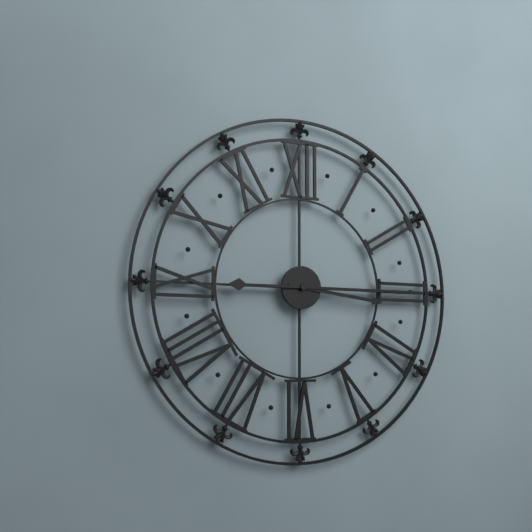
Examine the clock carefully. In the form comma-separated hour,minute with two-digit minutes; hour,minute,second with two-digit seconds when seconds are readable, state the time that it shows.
3,15
